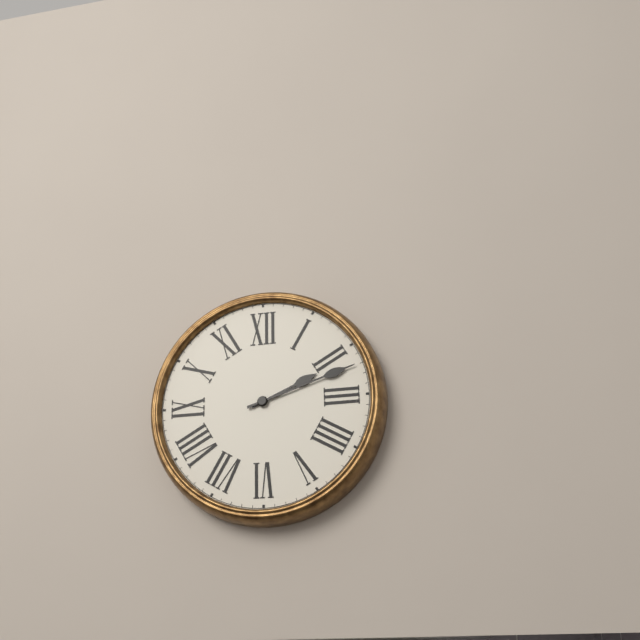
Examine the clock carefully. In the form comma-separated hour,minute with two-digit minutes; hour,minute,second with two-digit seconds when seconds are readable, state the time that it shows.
2,12
